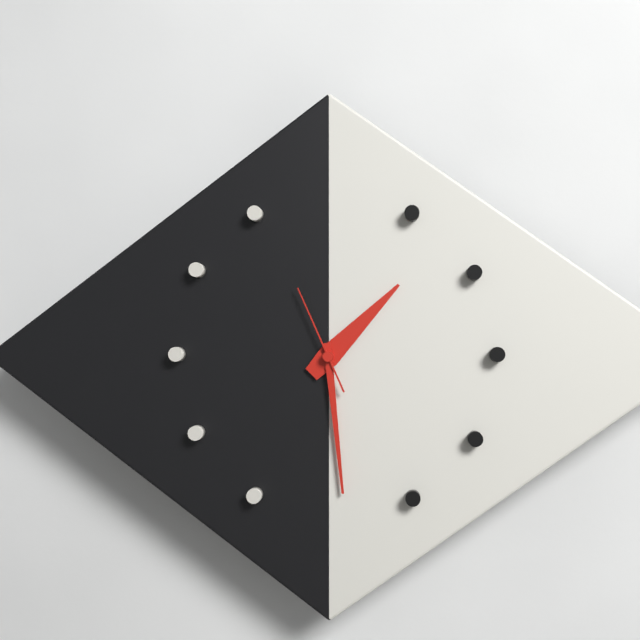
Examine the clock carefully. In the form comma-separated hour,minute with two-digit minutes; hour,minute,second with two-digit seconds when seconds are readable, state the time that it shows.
1,29,56
